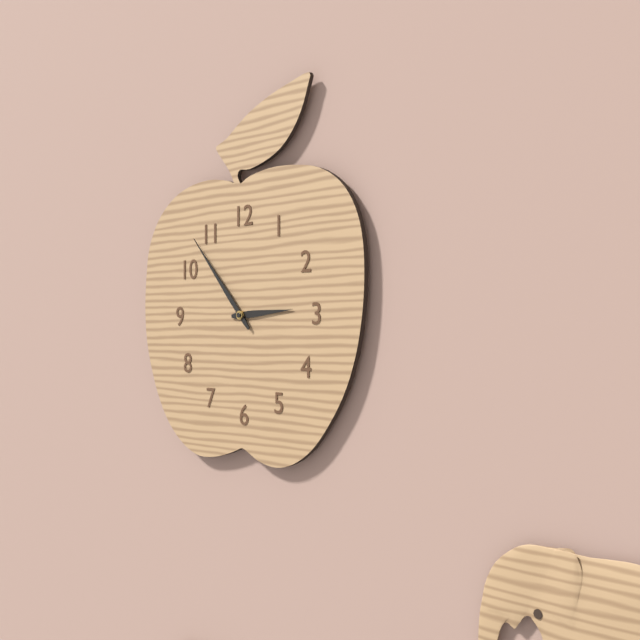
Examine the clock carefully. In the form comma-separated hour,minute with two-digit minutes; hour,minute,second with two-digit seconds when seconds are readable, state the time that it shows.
2,53
